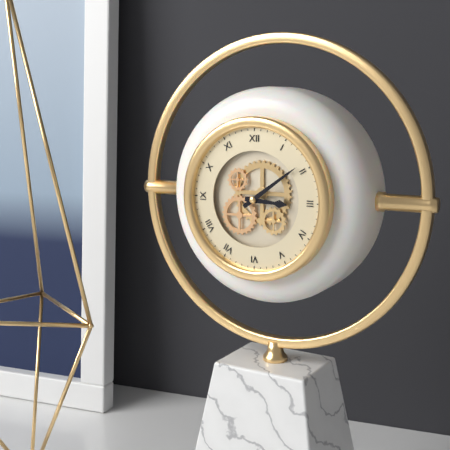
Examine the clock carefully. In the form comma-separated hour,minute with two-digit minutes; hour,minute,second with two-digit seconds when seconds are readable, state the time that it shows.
3,09
